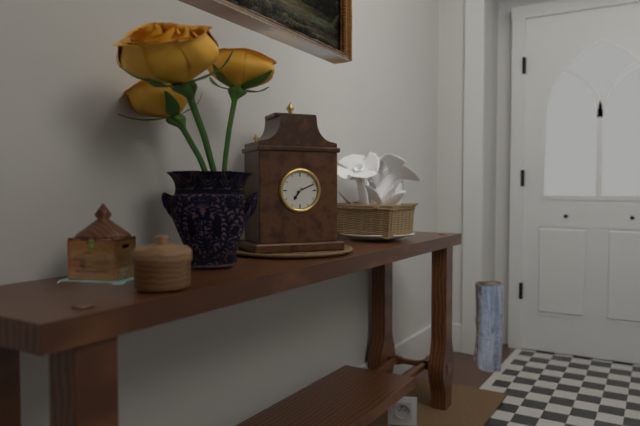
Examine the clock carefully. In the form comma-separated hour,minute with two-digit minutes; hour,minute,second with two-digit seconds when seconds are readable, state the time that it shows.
7,11
